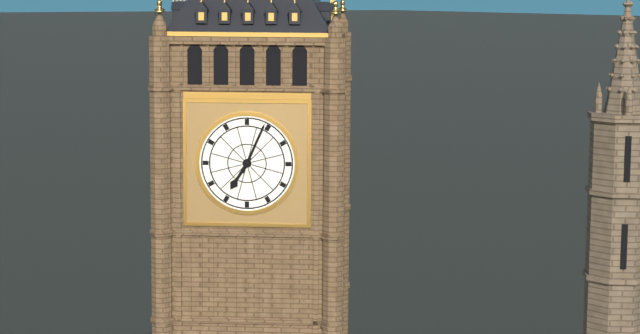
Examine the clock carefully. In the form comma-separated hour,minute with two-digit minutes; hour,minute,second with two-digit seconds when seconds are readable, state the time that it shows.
7,04
